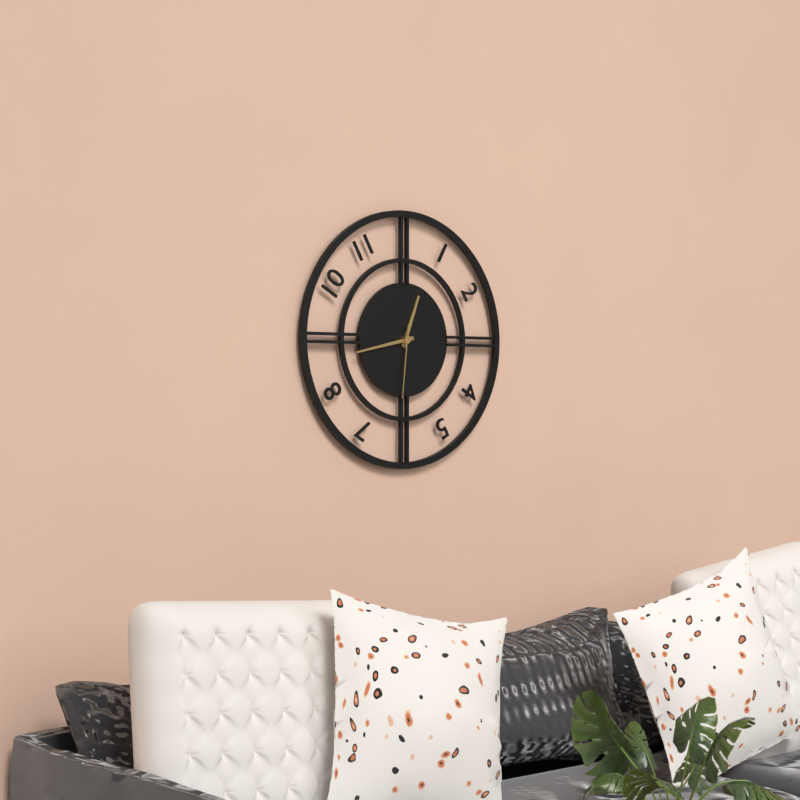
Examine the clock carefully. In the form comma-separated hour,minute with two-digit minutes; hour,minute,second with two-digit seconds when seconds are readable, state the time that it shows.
12,43,31
